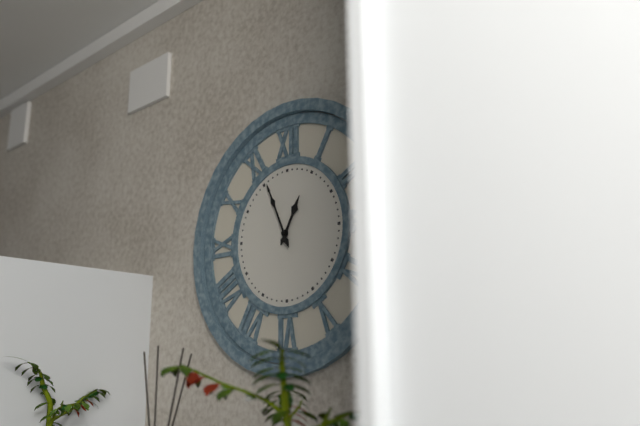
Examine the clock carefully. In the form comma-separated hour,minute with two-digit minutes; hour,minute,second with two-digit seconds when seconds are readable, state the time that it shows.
12,56
